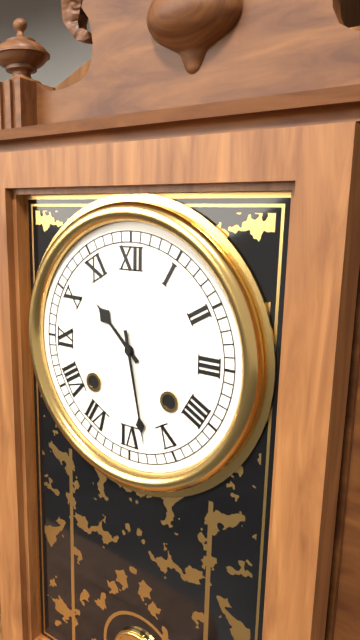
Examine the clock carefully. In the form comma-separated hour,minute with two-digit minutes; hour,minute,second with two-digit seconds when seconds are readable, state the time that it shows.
10,28
